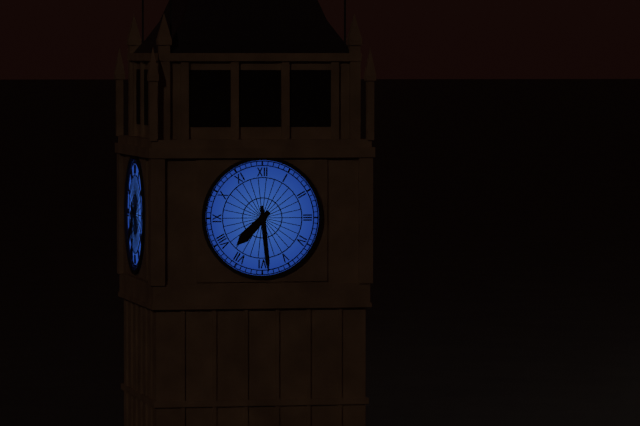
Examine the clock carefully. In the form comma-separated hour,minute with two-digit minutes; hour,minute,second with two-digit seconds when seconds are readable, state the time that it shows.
7,29
